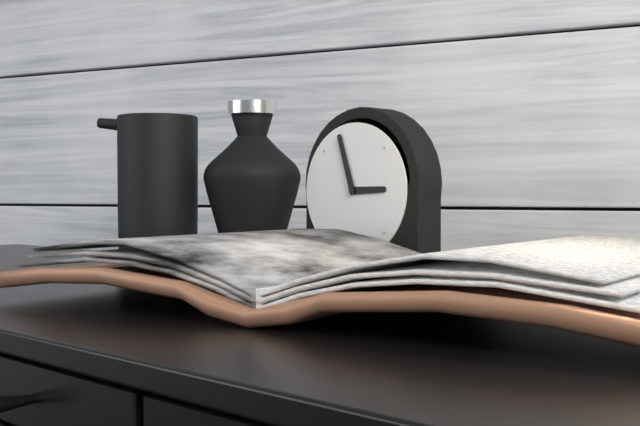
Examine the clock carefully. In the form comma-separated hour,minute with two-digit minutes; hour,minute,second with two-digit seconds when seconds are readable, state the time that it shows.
2,57
